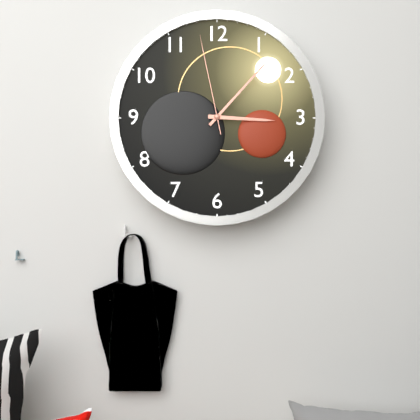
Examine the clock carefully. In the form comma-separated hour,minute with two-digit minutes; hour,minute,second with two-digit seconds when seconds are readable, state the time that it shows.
3,07,58
